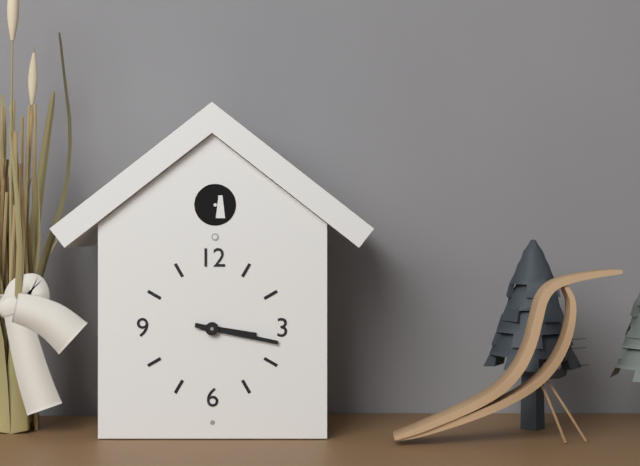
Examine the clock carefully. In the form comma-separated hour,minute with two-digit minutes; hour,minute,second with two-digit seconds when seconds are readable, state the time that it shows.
3,17
